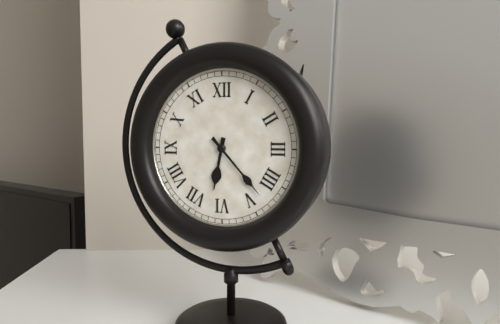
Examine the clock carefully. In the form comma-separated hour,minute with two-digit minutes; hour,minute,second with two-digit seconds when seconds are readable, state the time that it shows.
6,23
